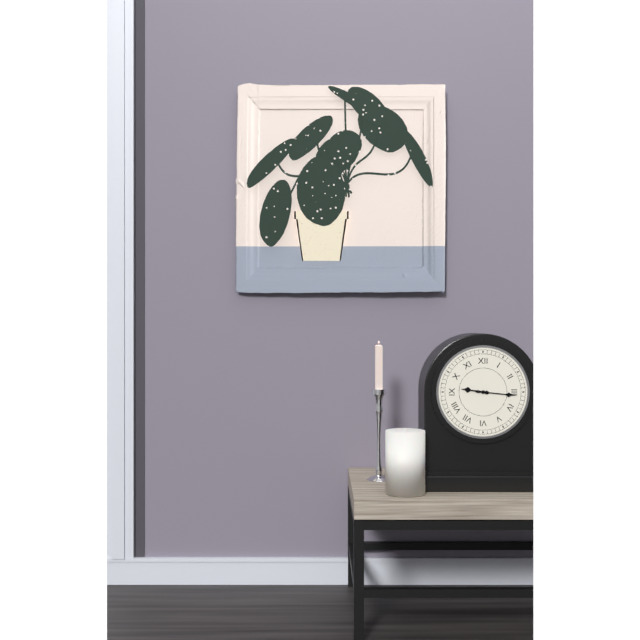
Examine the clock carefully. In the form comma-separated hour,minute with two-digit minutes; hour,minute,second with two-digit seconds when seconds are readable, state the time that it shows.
9,16
